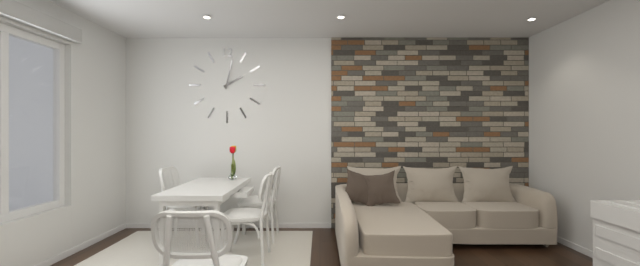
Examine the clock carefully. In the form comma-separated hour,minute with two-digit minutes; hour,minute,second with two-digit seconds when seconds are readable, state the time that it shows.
2,02
